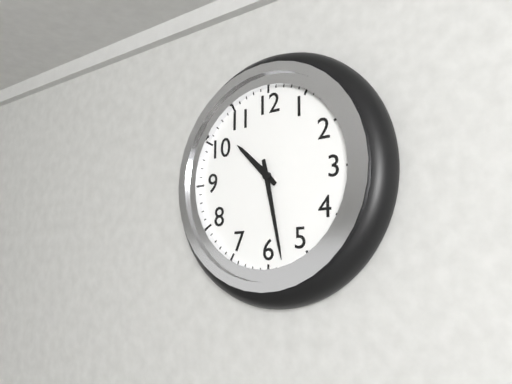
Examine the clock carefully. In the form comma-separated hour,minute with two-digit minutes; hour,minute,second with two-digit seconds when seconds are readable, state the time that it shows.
10,28
